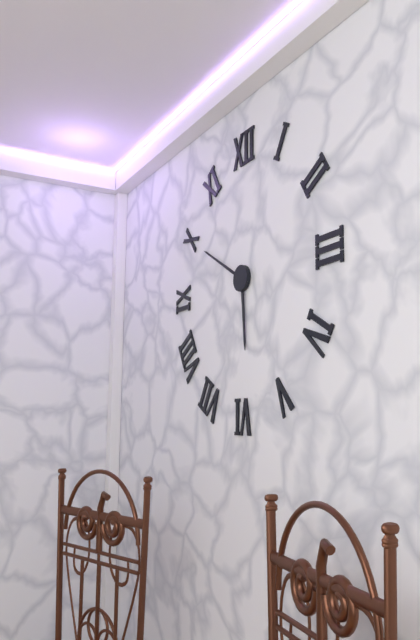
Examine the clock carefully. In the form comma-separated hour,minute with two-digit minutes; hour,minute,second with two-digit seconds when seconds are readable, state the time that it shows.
5,50
